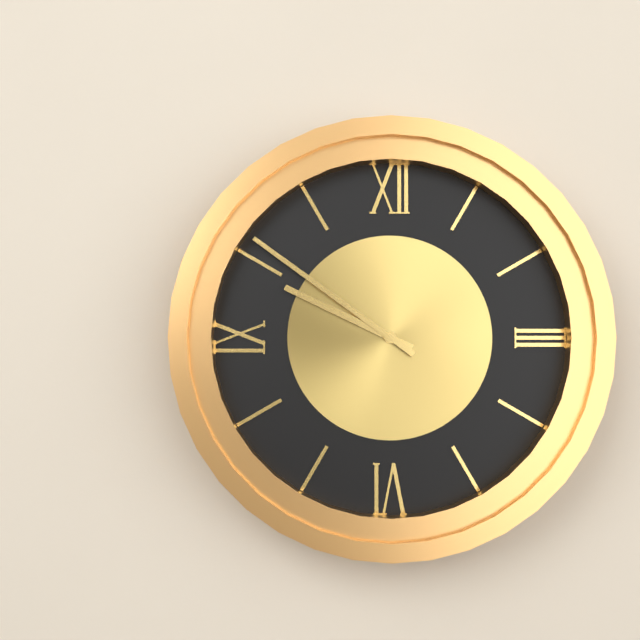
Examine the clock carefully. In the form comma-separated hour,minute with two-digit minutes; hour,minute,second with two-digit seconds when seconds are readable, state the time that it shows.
9,51
